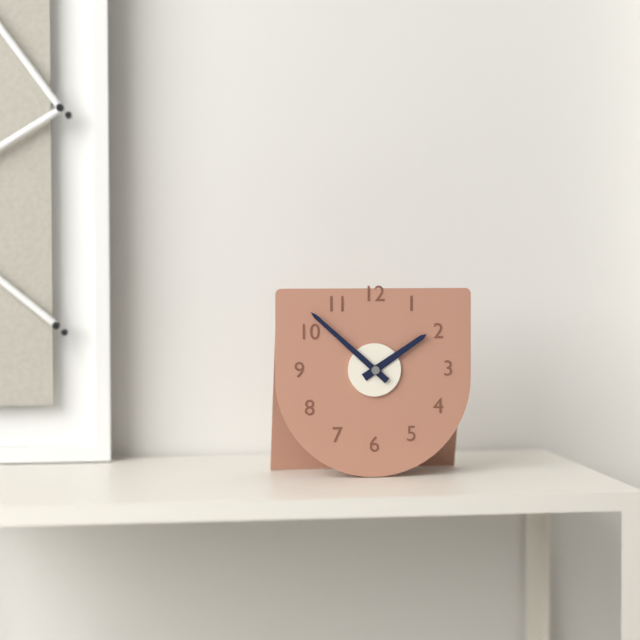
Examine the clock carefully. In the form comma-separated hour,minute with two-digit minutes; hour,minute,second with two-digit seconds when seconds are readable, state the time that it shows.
1,52
